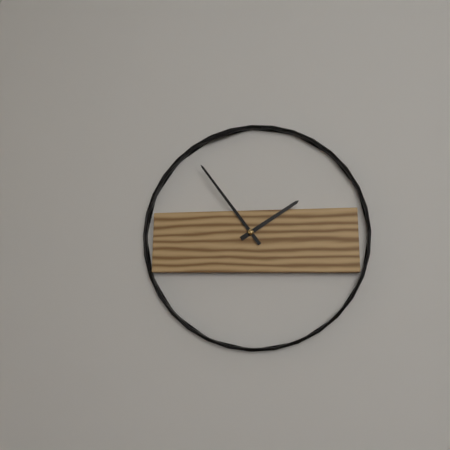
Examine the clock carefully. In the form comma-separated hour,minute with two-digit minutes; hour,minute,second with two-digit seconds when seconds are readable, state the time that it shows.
1,54
